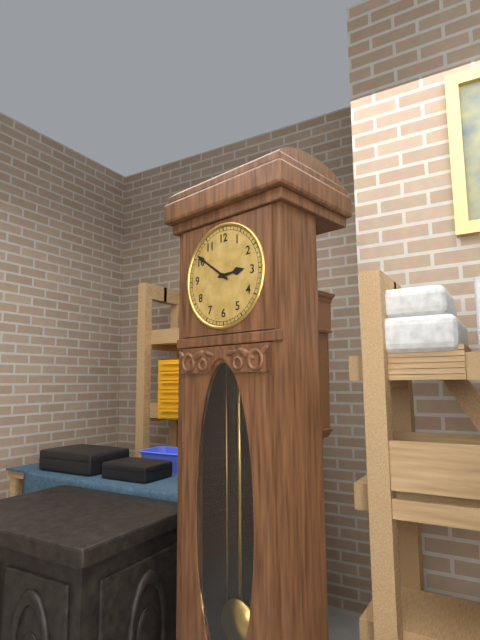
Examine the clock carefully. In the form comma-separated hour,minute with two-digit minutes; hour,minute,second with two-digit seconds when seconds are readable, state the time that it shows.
2,51
